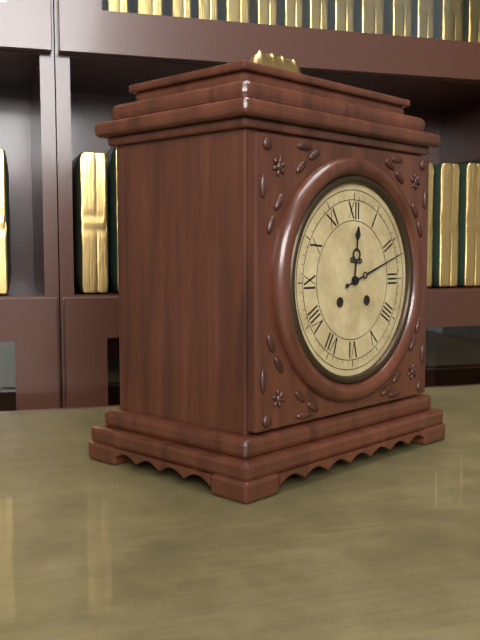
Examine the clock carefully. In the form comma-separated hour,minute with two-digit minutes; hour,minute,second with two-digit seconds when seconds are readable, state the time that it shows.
12,12
